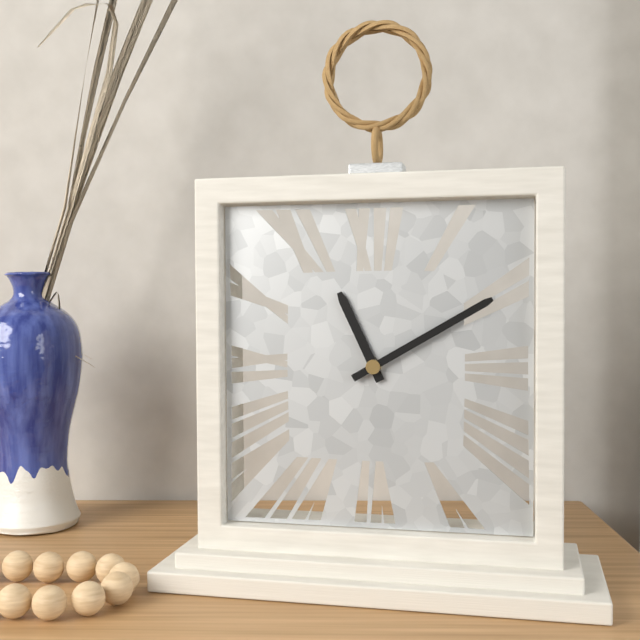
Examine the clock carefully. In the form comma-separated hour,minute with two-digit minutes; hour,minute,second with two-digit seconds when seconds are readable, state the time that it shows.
11,10
